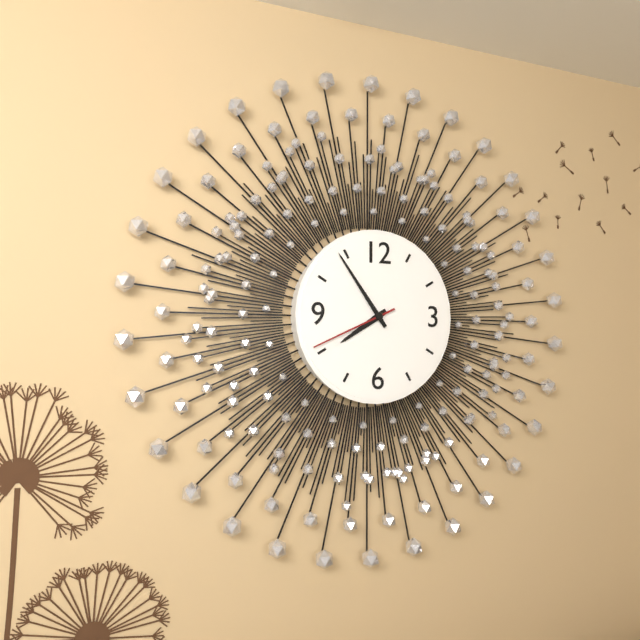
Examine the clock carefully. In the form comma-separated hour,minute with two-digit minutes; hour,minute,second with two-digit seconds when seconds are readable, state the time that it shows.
7,54,41
